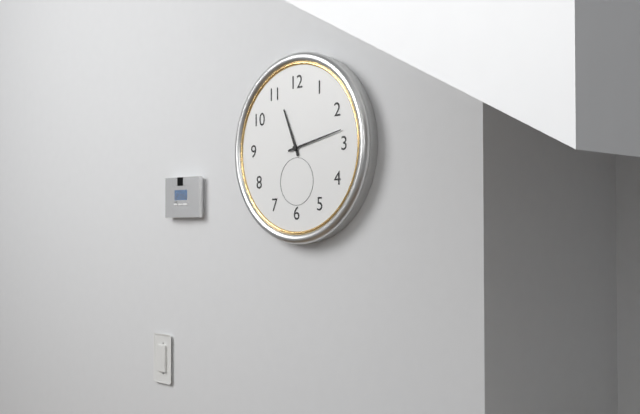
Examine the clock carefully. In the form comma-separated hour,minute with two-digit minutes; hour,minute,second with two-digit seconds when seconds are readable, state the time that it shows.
11,13
